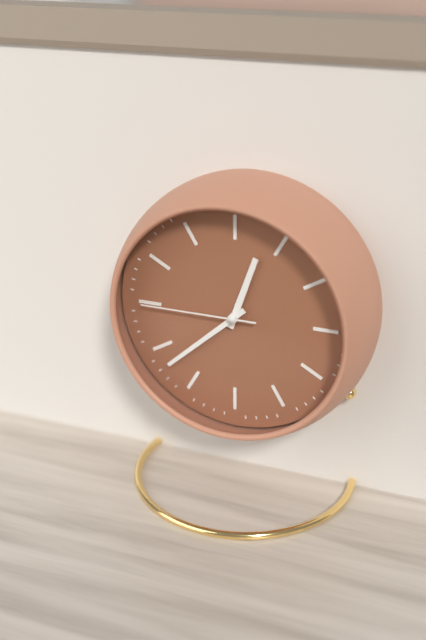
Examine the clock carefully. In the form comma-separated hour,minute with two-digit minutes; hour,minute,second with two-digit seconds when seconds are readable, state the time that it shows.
12,38,45
